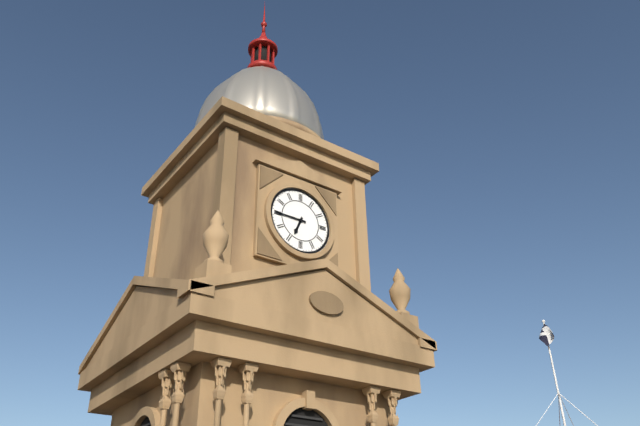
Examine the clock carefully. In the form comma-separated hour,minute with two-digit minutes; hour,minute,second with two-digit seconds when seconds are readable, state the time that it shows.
6,45
